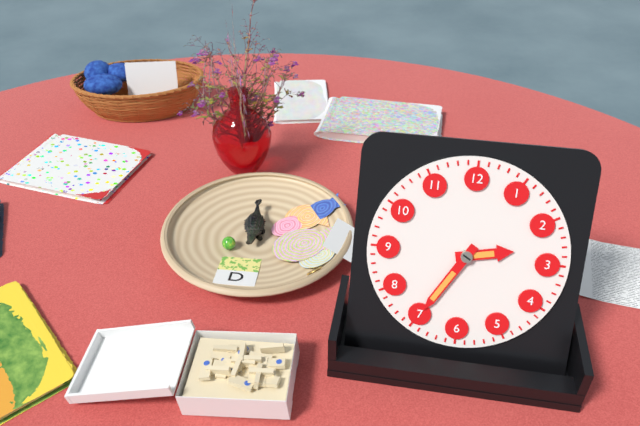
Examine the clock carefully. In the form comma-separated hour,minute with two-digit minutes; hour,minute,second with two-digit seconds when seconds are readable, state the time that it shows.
2,35
